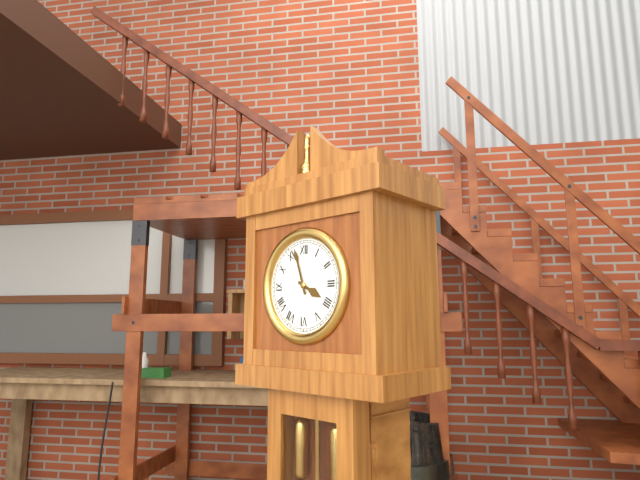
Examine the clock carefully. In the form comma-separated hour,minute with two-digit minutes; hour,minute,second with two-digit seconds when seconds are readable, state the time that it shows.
3,57
